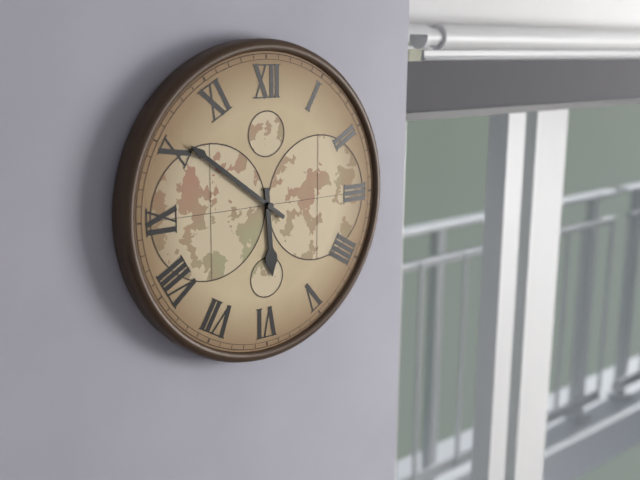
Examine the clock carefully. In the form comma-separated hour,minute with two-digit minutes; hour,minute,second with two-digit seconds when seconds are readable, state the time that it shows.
5,51
